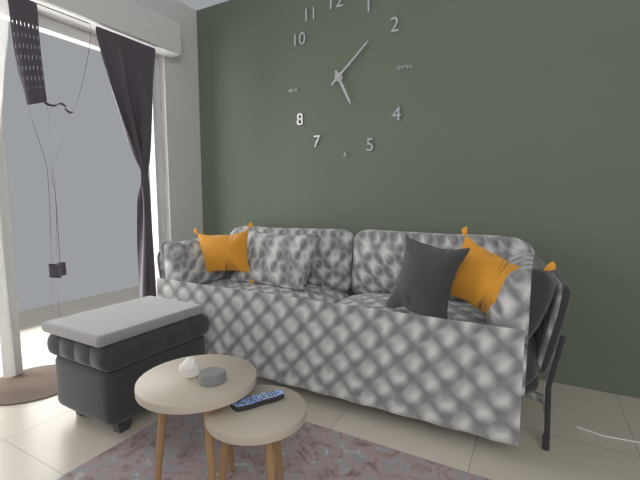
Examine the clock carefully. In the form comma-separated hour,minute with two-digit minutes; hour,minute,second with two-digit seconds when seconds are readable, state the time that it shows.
5,08
